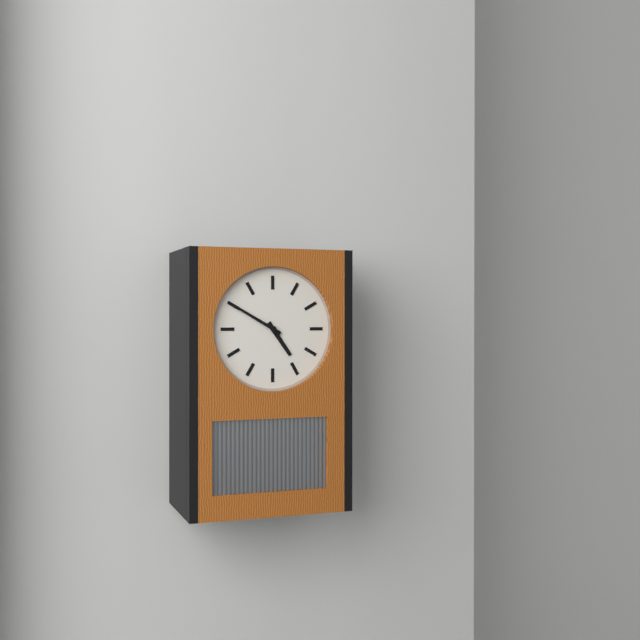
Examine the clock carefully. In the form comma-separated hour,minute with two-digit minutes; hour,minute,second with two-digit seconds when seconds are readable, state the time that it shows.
4,50
